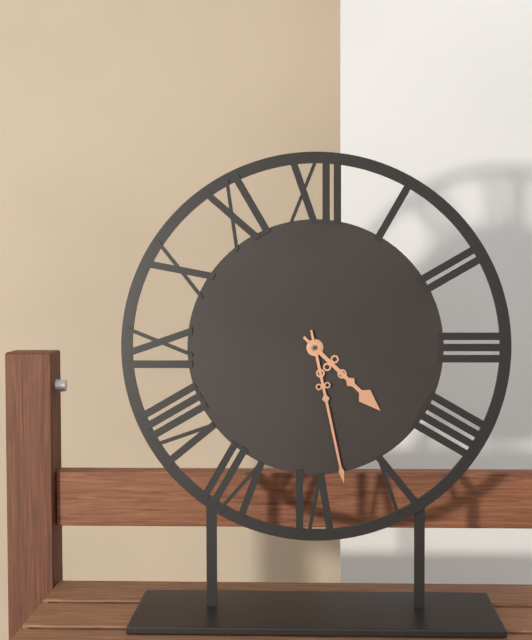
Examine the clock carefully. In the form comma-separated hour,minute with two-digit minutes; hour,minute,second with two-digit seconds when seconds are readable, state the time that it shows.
4,28
